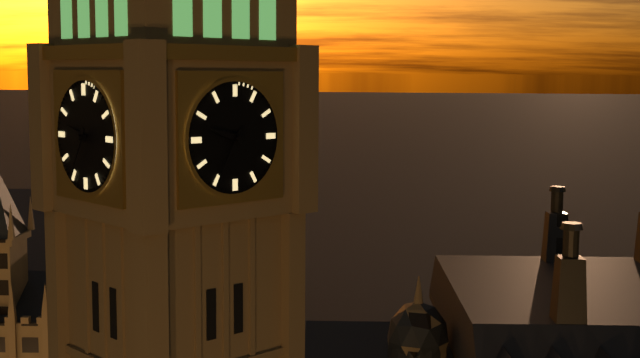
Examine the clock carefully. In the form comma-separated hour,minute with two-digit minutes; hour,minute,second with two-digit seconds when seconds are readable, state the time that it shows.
9,35
